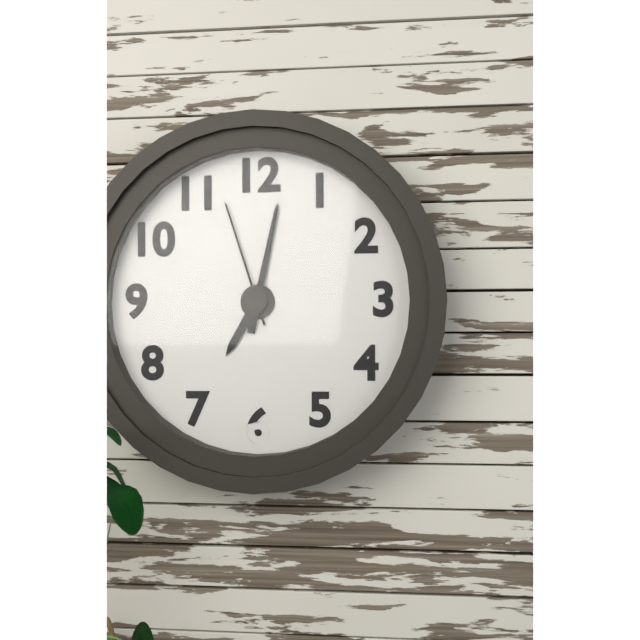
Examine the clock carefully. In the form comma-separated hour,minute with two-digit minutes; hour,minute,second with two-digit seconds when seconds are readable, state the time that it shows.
7,02,57
